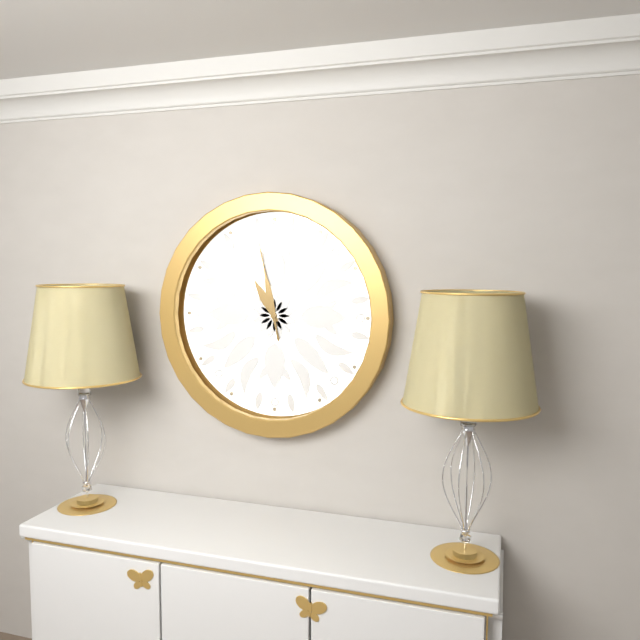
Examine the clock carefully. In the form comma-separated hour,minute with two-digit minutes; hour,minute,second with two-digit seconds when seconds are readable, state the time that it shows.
10,58
